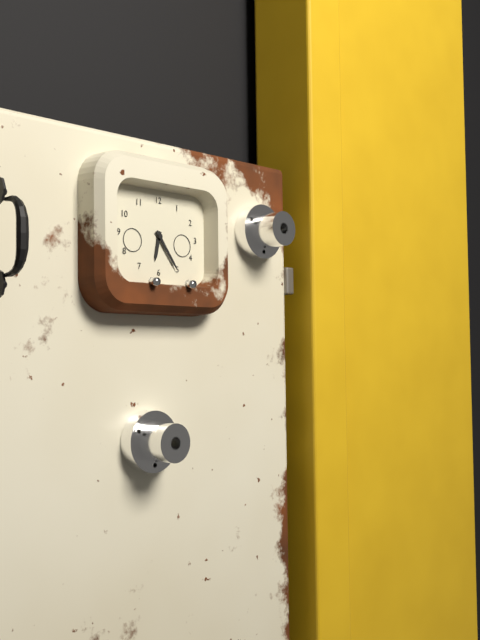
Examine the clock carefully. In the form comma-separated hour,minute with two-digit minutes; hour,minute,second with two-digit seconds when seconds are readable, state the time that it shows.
6,24
